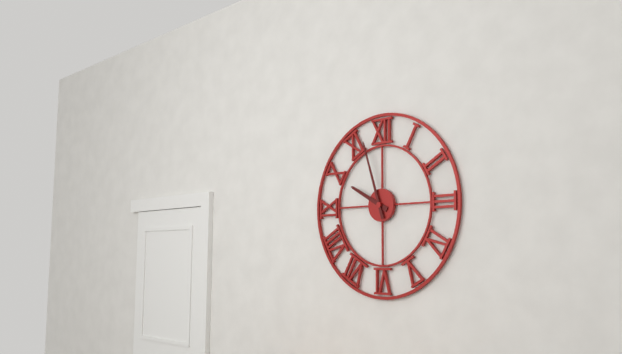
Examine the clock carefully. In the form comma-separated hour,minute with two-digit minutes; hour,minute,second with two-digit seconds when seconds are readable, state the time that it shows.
9,57
